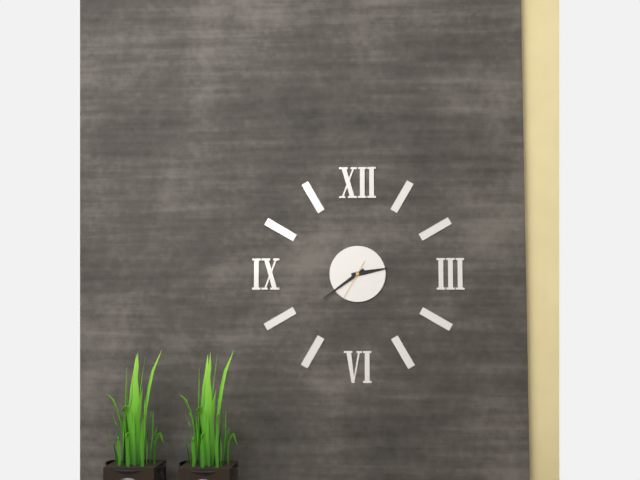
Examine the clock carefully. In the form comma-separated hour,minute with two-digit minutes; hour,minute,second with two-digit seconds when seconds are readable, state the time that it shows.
2,39
